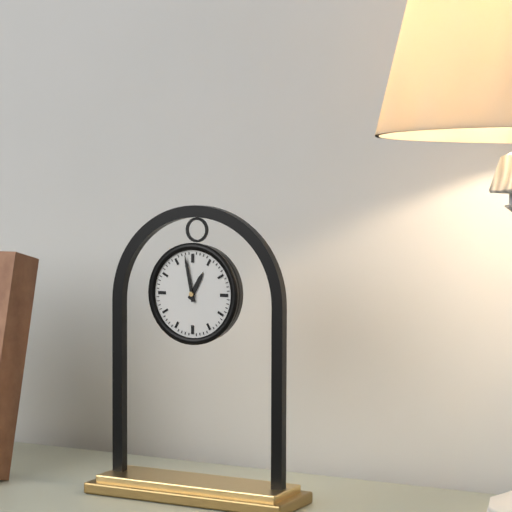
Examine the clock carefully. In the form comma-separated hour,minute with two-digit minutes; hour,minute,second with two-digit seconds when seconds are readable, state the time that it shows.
12,58
